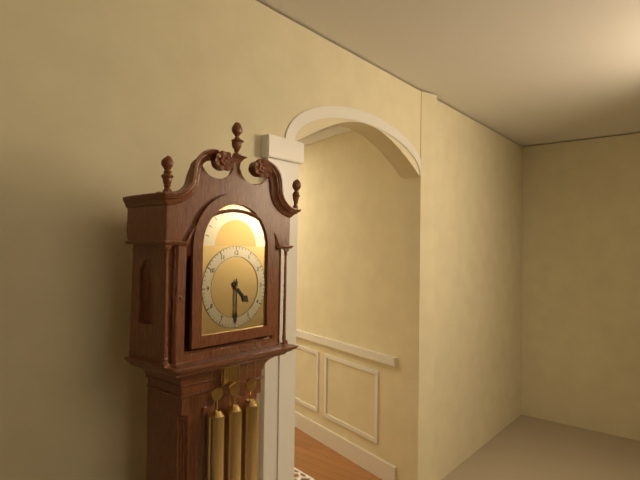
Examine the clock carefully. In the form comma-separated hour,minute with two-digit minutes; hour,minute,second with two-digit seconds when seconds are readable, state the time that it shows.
4,30
